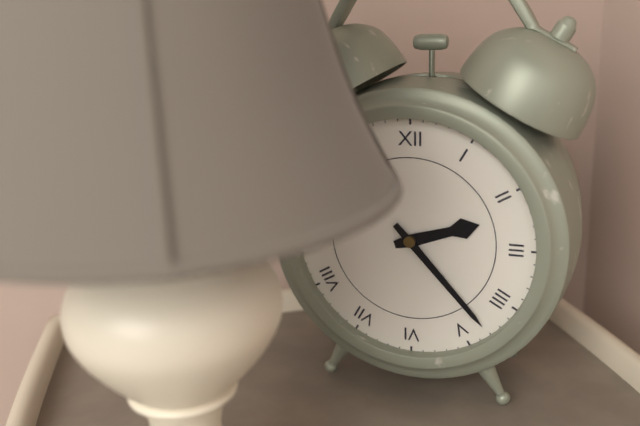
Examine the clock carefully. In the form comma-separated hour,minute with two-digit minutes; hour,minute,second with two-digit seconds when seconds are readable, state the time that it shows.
2,23
